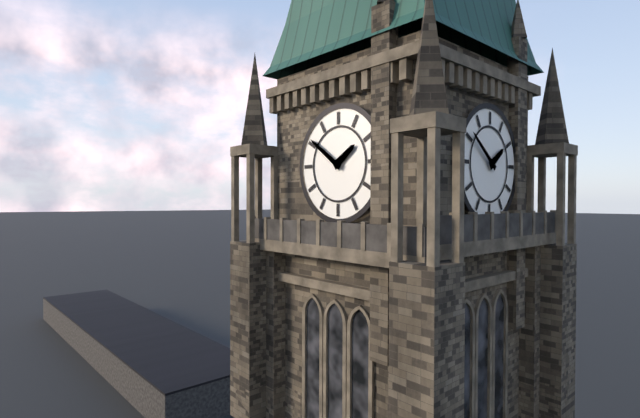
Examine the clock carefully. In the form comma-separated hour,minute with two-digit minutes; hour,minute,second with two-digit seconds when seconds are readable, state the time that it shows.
1,51
